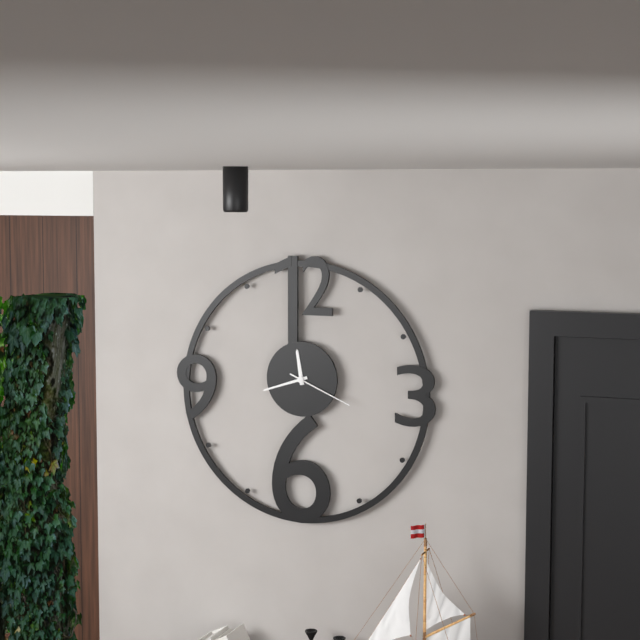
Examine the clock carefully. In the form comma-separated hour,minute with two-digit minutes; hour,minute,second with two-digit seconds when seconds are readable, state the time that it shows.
11,42,19
